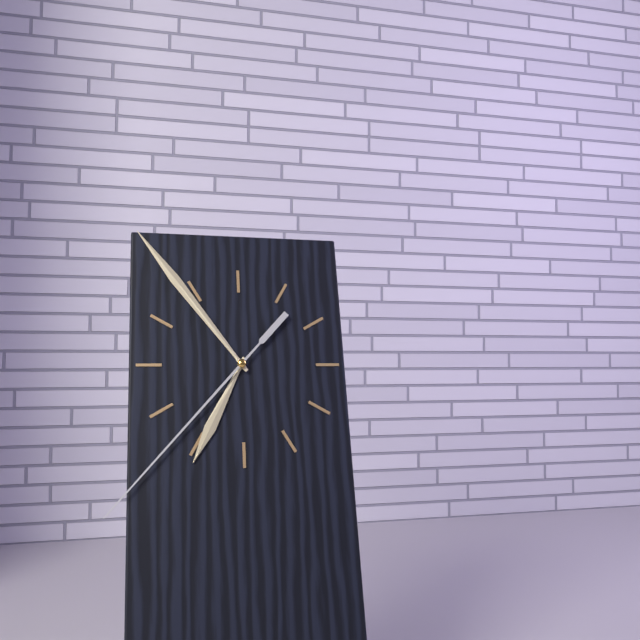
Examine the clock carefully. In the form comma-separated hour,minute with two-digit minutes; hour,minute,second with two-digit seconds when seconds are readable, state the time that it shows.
6,54,37
